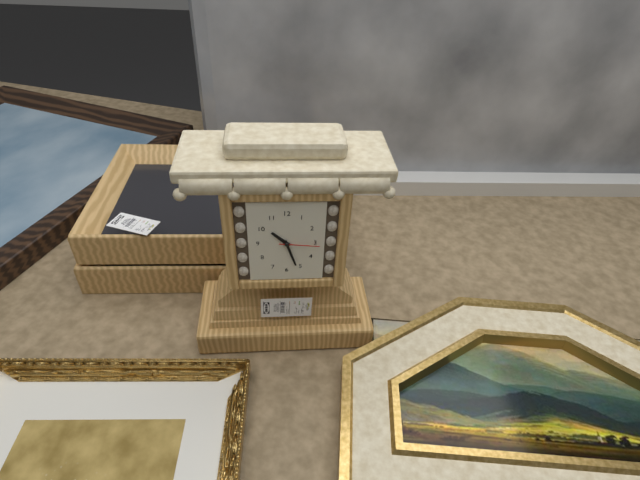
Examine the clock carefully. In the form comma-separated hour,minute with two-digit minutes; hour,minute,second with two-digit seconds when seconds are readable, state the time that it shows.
10,27
